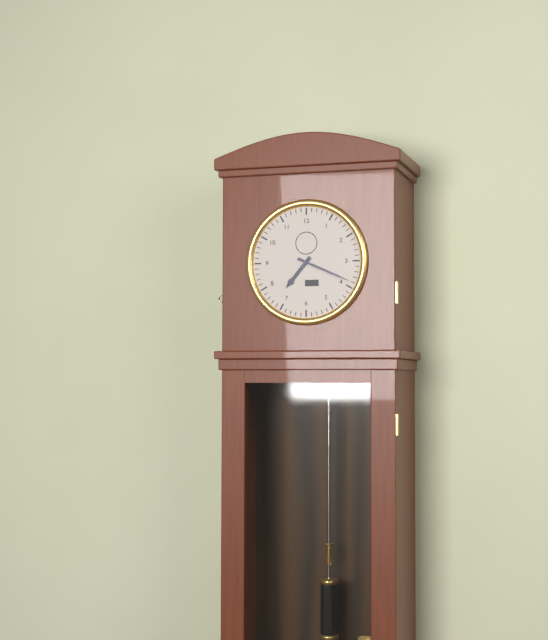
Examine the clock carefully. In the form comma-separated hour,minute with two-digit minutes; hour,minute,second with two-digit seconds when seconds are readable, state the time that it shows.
7,19
